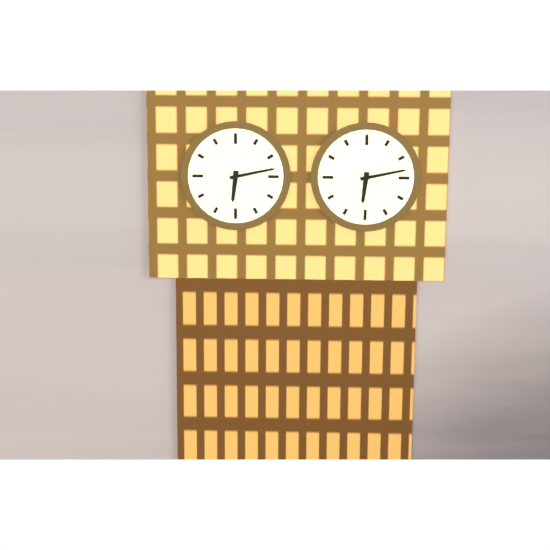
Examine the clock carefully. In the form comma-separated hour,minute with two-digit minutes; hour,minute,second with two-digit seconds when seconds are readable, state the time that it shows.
6,13
